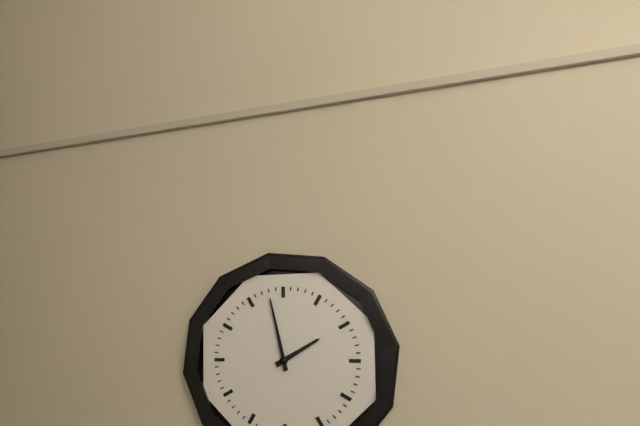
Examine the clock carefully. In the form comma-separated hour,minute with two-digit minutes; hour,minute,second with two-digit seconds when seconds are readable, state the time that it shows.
1,58
